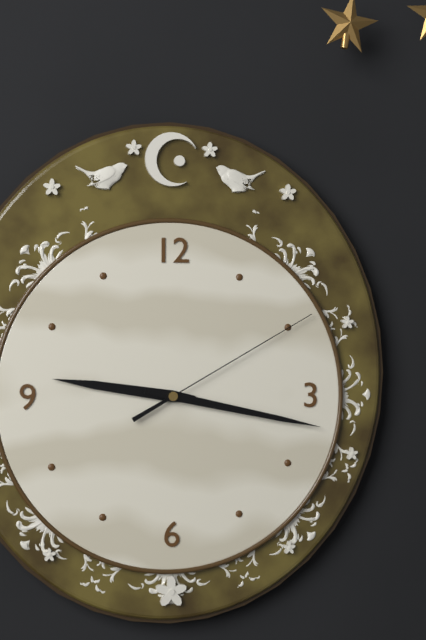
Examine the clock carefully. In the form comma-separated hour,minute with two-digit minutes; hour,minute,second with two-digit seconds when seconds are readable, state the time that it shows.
9,17,10
